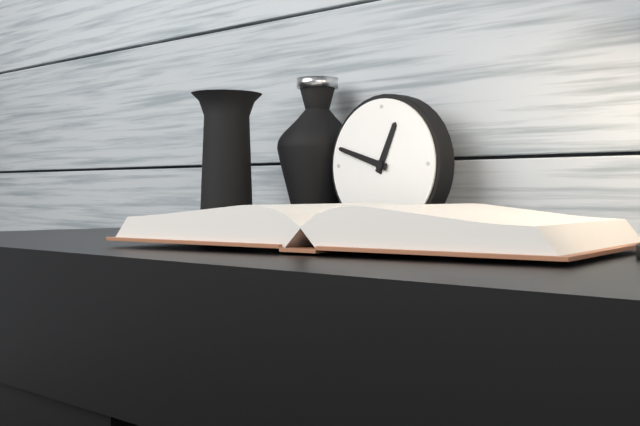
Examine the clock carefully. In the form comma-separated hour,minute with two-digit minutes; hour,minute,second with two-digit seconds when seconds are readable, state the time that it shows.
12,48
